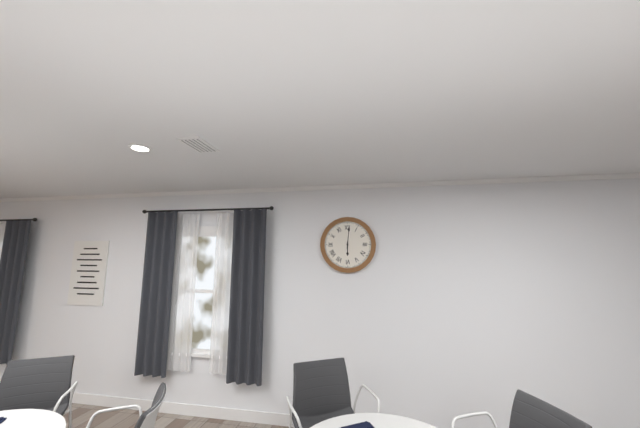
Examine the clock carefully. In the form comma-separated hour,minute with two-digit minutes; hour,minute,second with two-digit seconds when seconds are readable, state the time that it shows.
6,01
